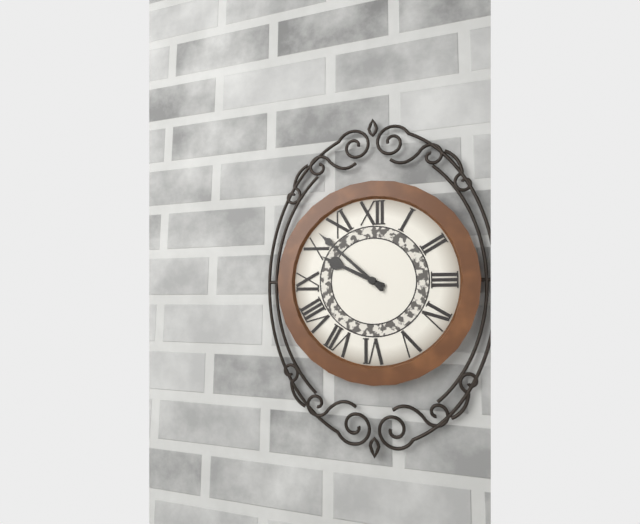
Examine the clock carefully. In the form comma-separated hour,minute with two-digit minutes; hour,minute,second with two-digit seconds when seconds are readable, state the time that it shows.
9,52
